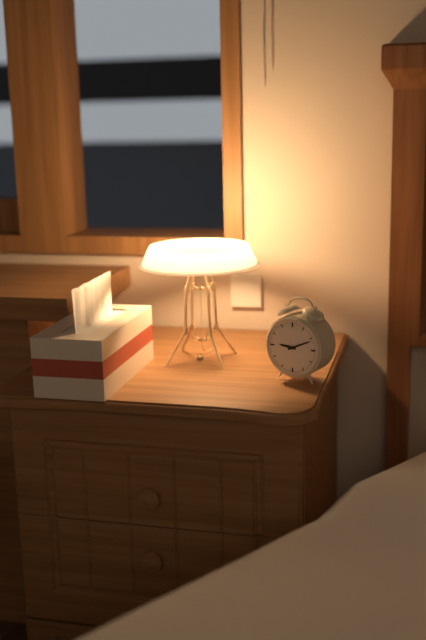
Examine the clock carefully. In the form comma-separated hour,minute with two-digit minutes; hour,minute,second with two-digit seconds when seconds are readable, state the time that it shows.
9,11
